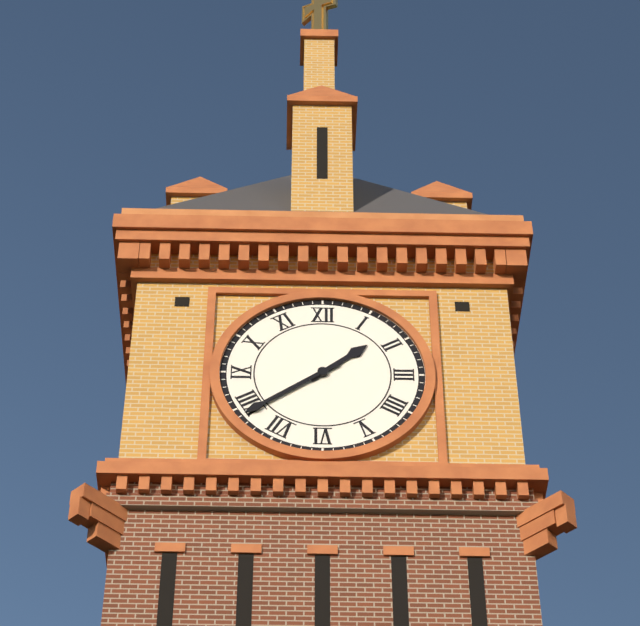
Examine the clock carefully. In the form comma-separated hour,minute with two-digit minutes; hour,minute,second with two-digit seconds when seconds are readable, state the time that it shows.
1,39
